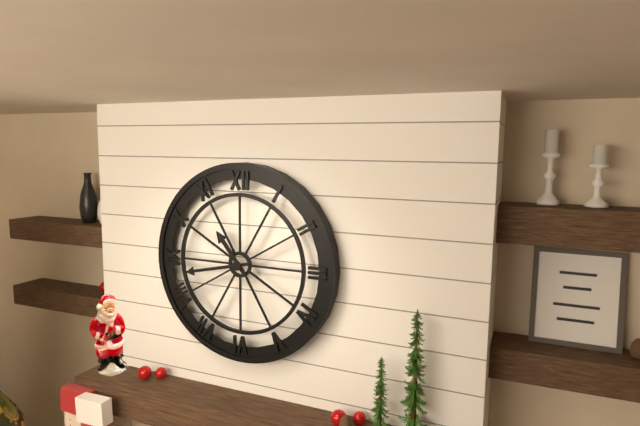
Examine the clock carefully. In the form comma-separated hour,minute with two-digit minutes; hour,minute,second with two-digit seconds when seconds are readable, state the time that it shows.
10,43
